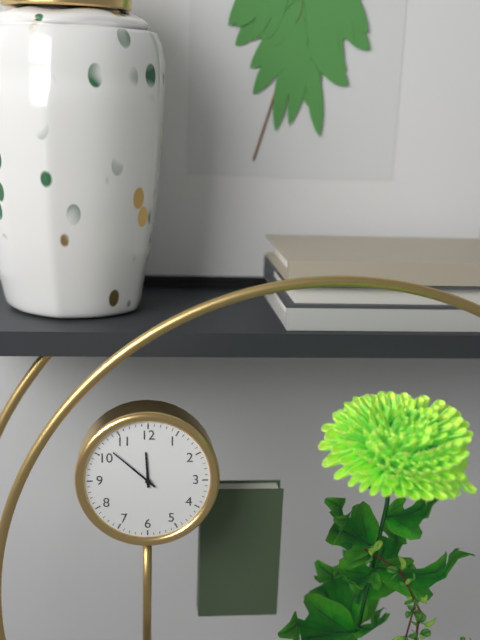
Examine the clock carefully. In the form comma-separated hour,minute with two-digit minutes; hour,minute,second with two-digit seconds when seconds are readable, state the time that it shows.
11,52
